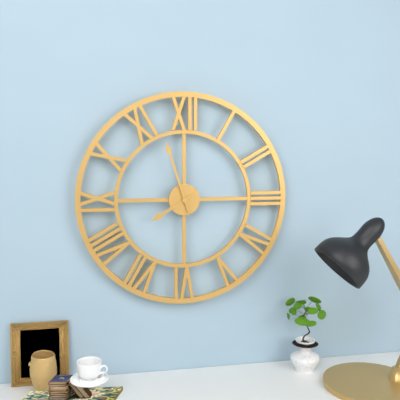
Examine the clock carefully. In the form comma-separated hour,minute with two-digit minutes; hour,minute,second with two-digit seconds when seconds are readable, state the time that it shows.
7,57
